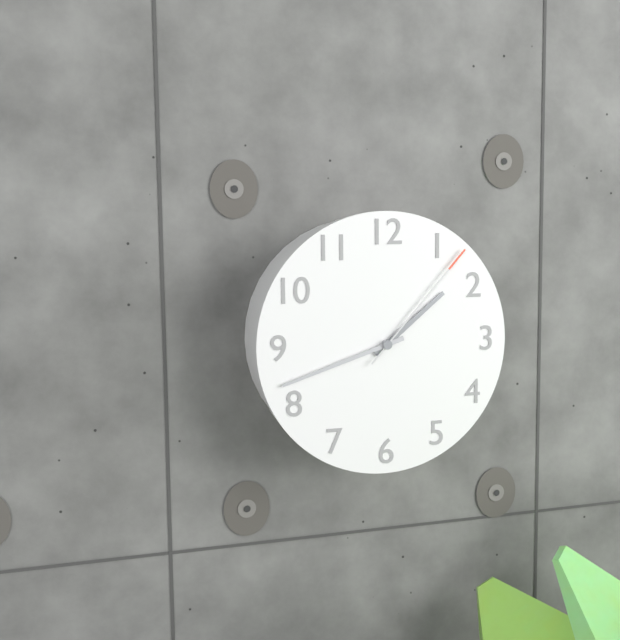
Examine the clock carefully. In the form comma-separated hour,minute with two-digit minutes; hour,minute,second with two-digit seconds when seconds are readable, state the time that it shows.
1,42,07
